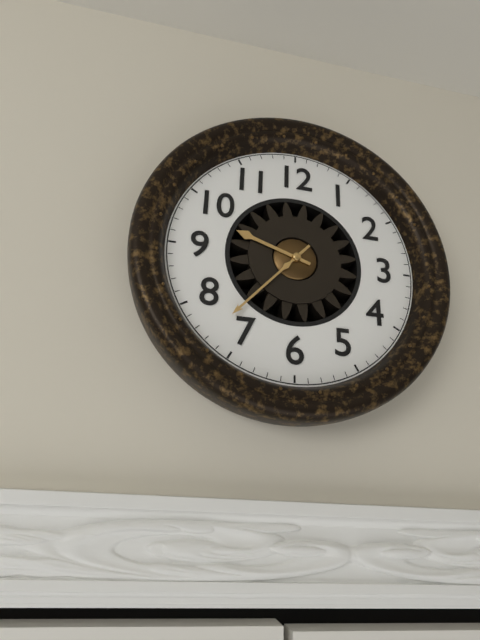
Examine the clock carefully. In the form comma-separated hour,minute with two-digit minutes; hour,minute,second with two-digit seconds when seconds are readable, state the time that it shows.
9,37
